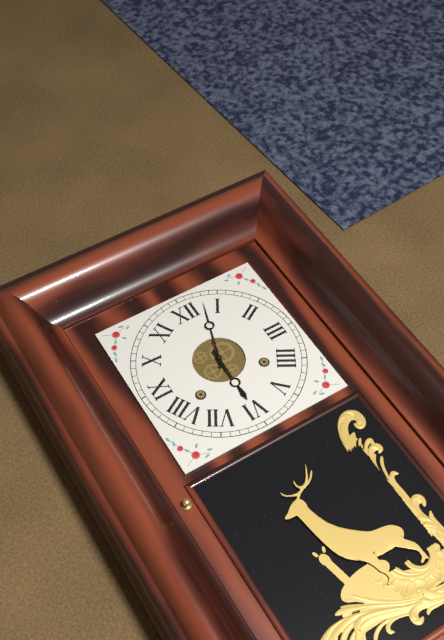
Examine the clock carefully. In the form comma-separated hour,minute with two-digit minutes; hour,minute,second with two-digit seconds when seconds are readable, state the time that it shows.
6,03
